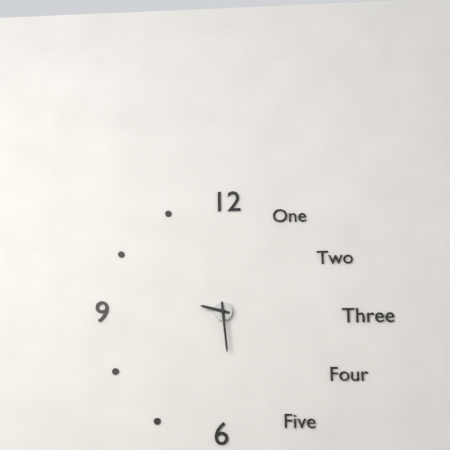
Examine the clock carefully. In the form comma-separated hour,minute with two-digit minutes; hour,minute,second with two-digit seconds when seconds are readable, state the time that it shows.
9,29
